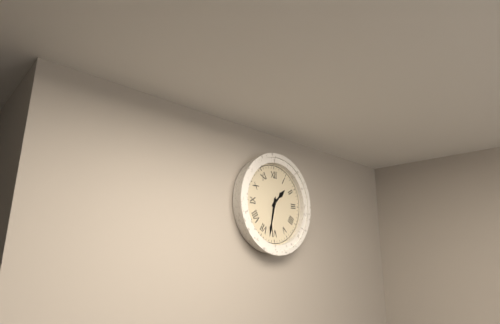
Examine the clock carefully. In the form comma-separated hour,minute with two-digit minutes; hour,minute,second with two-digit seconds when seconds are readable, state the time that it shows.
1,32
